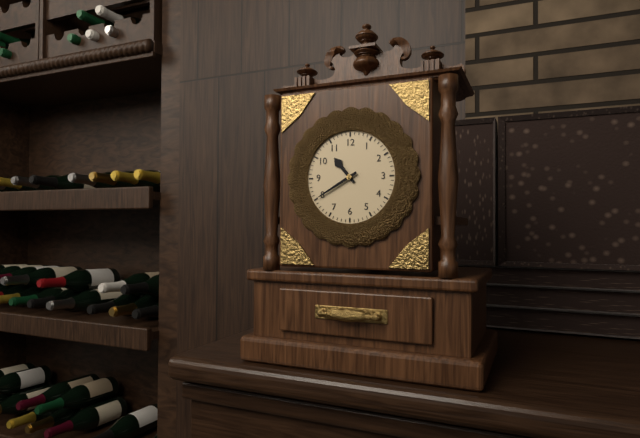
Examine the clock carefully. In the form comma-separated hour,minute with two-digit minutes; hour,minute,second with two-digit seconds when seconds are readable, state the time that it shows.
10,40
